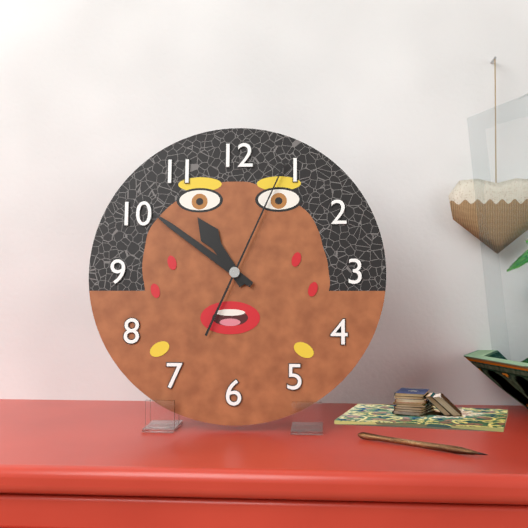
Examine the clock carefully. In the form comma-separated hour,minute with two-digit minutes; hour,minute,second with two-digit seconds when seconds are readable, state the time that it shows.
10,51,04
